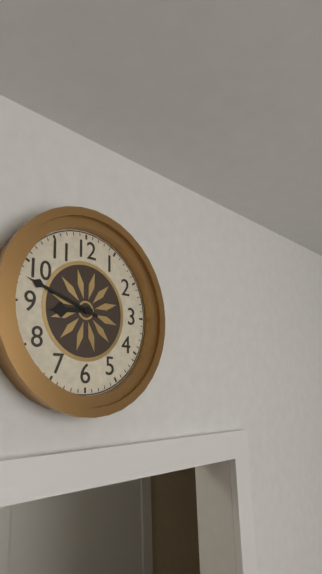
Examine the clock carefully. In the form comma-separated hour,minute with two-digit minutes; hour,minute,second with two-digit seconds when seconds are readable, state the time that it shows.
8,48
